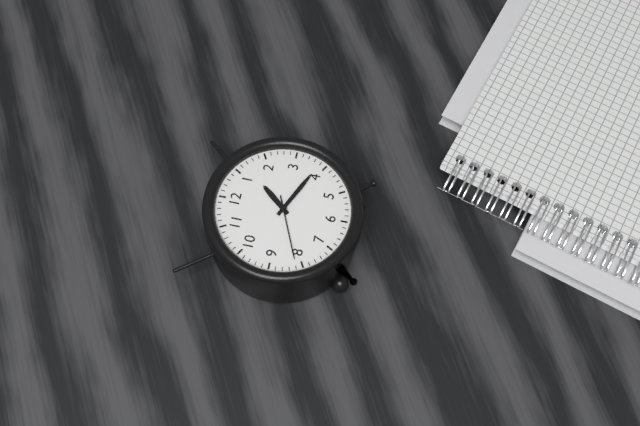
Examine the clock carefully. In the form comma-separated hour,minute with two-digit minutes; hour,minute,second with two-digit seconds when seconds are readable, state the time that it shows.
1,19,41
